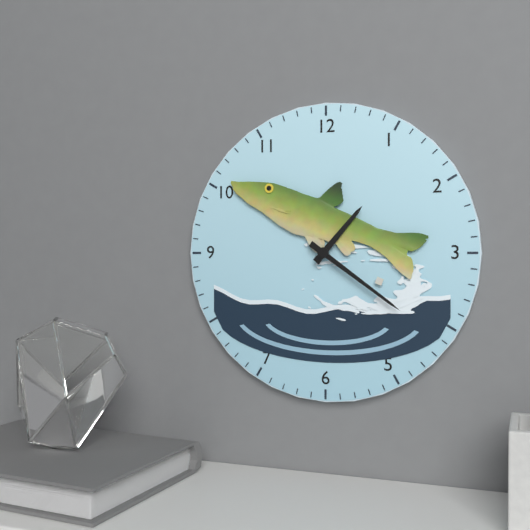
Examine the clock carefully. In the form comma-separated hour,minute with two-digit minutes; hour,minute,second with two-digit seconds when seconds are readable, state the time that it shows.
1,21
